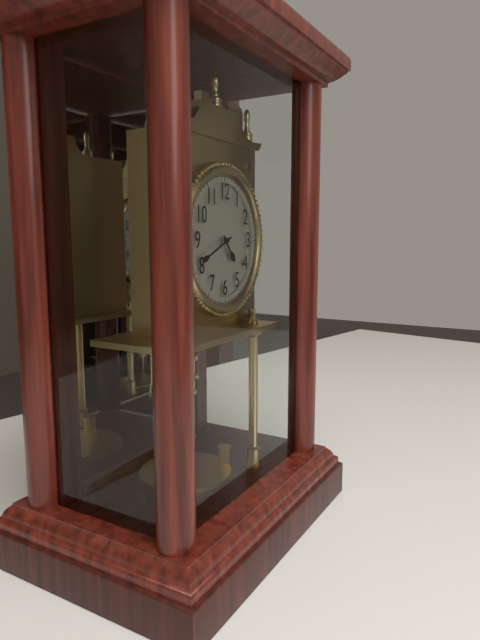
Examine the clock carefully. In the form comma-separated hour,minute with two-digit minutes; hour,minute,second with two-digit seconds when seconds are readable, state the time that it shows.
4,41
